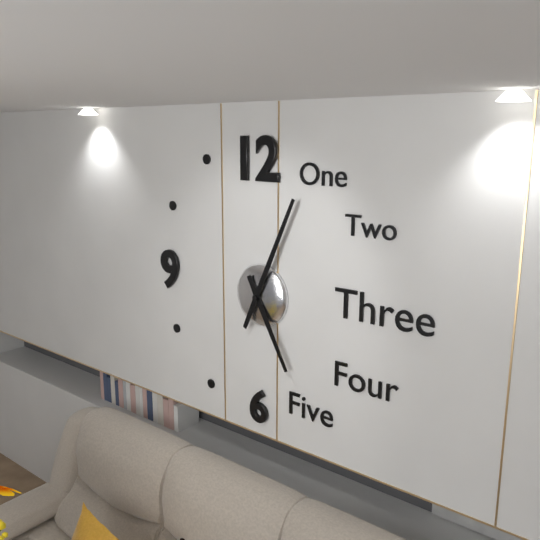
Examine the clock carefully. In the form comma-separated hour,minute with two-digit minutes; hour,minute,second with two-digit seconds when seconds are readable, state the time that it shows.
5,04
